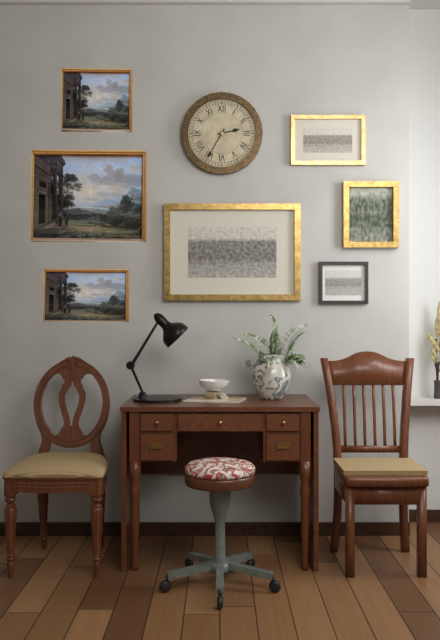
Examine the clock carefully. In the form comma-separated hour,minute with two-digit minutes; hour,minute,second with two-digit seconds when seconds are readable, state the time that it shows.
2,35
